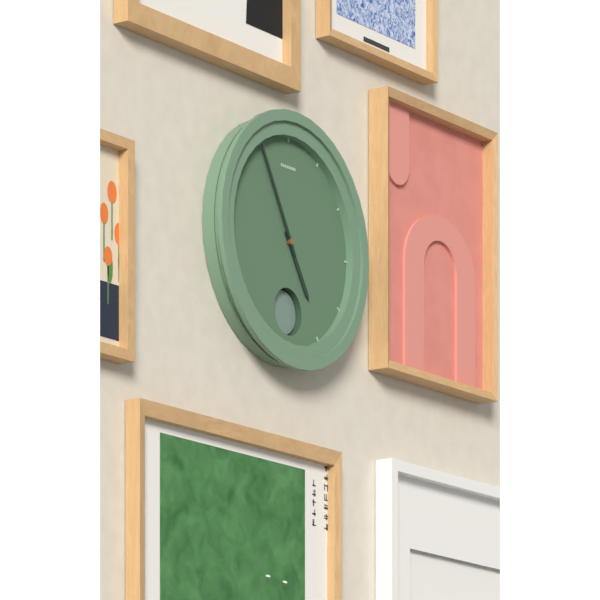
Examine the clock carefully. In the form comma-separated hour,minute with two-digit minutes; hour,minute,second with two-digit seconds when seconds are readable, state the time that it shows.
4,55
